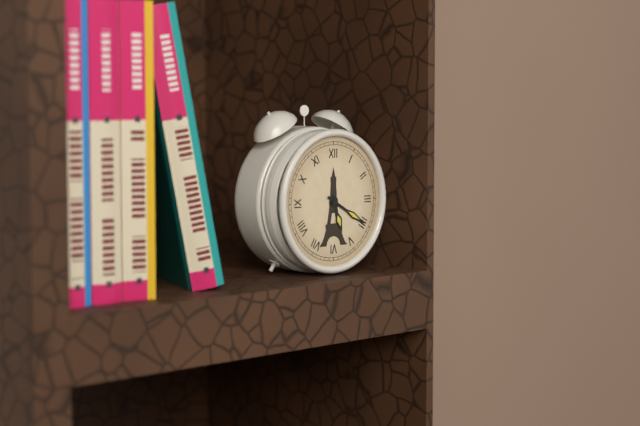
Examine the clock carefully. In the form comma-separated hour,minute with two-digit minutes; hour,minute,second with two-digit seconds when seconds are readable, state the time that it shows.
5,20
